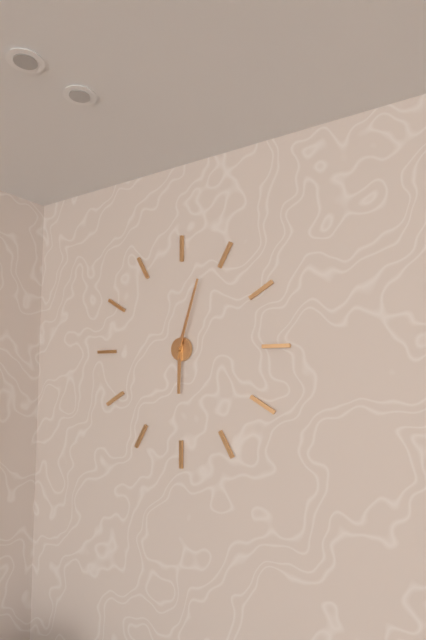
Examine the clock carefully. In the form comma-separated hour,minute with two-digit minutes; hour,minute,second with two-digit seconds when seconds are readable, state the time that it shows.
6,03
